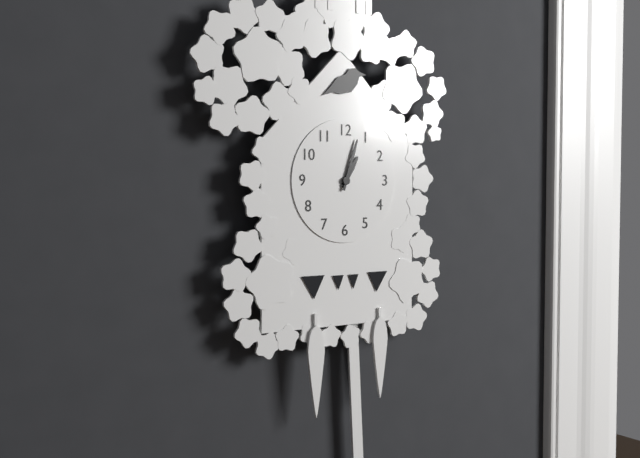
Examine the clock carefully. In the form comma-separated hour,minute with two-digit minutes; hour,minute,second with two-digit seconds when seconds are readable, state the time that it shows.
1,03
